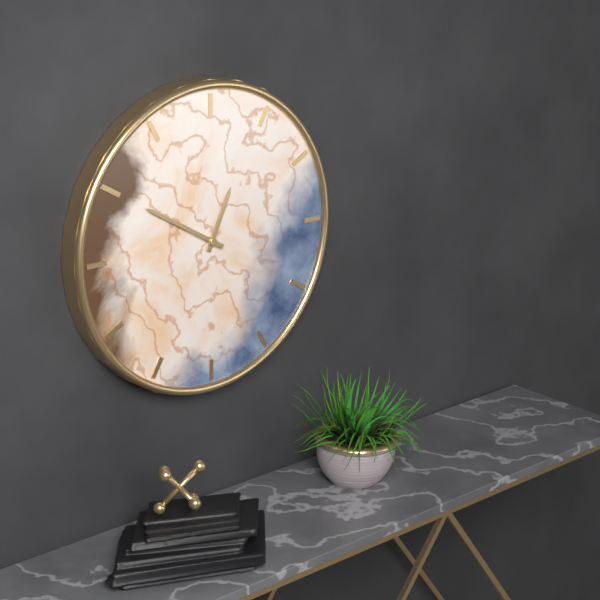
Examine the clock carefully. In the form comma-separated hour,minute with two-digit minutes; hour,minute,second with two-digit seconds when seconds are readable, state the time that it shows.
12,50
